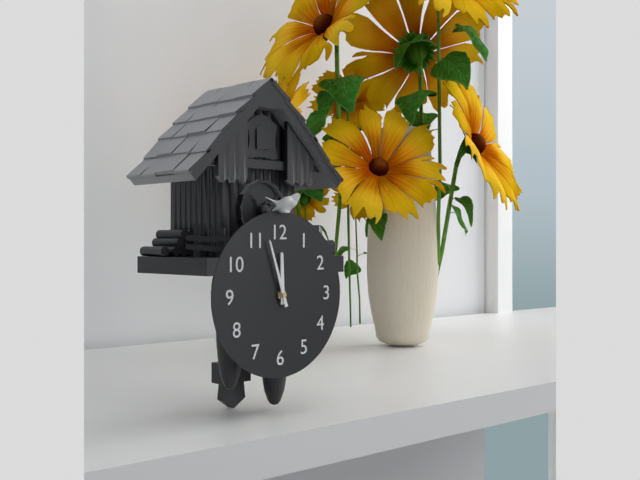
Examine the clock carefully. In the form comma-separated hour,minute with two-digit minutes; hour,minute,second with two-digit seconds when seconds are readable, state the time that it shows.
11,57
